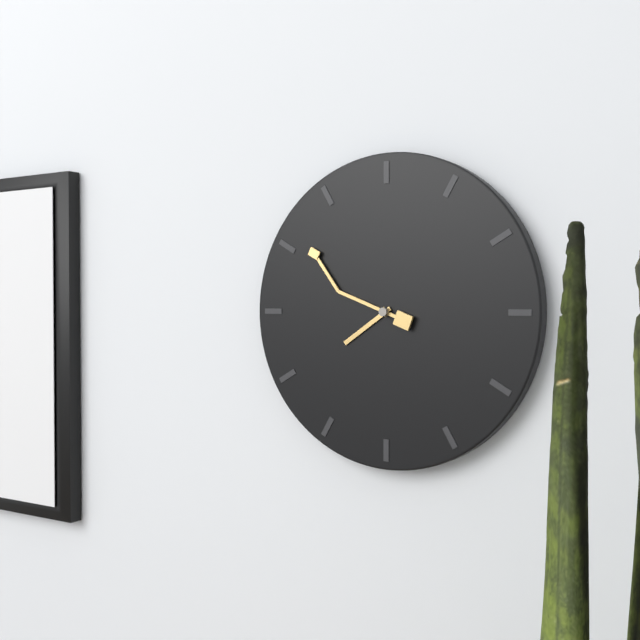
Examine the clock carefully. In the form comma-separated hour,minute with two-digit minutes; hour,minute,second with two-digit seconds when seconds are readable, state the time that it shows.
7,51
